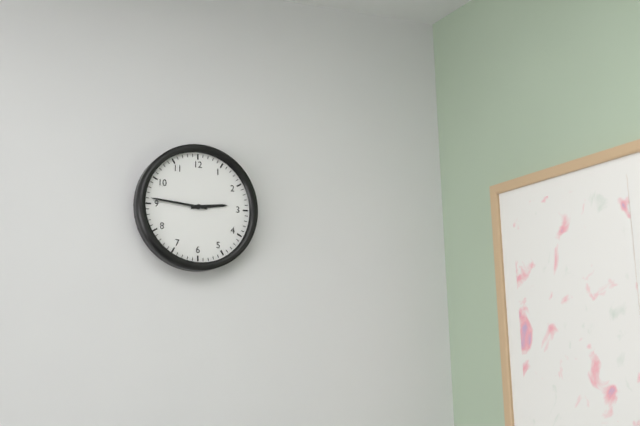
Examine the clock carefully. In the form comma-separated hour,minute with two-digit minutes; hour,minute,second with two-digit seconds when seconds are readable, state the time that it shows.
2,46
